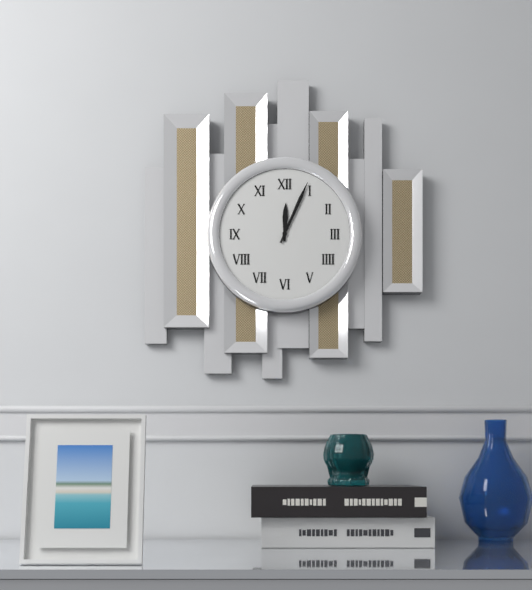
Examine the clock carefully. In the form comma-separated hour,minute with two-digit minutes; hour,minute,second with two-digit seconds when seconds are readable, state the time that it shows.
12,04
